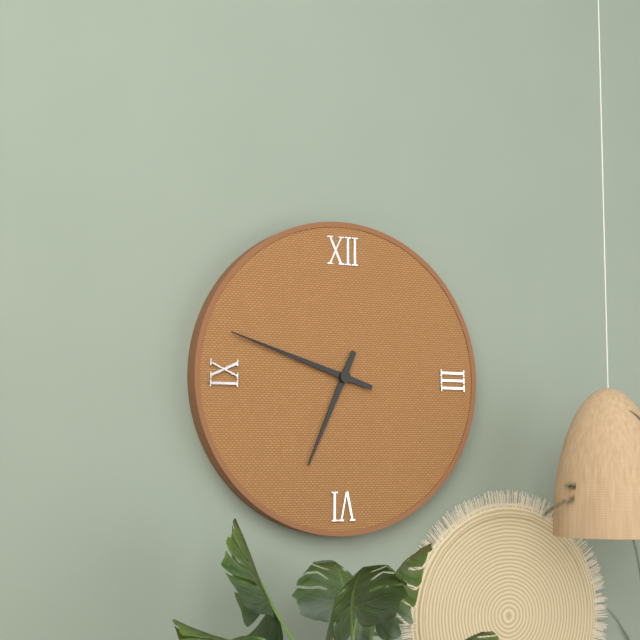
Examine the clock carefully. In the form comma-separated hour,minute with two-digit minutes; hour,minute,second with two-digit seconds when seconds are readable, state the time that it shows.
6,48
